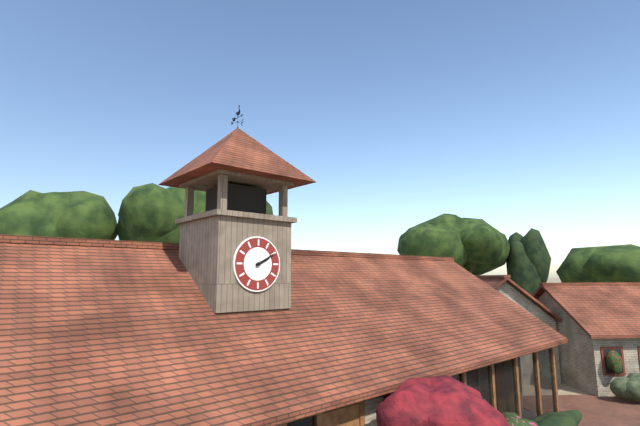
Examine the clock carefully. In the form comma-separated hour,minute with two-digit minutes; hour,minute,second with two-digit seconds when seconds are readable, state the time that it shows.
2,10
